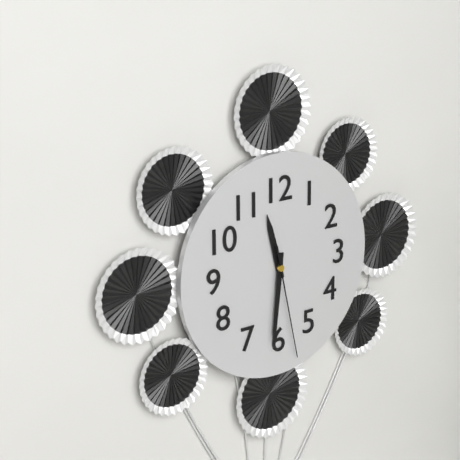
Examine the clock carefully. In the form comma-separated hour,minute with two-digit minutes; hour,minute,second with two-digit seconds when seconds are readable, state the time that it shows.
11,31,28
